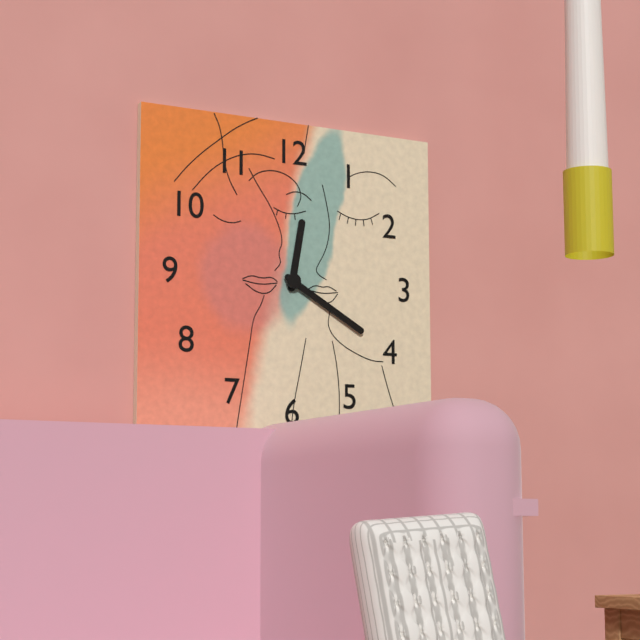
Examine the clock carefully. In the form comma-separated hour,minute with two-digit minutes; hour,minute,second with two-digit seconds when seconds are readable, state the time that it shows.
12,20
